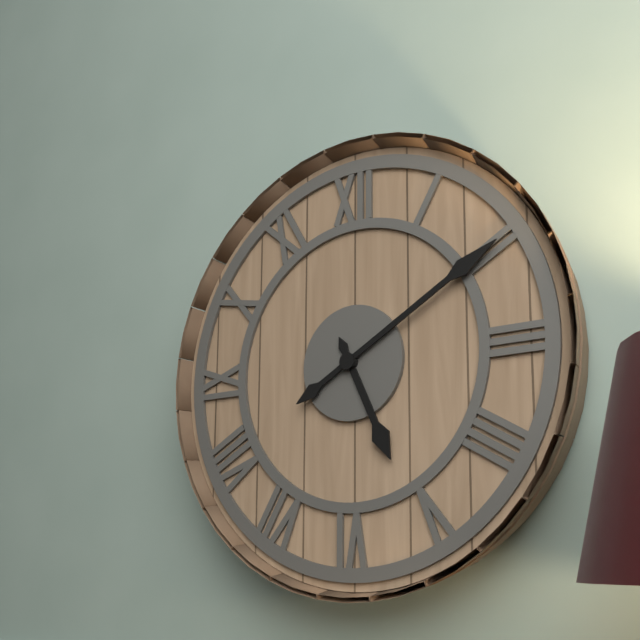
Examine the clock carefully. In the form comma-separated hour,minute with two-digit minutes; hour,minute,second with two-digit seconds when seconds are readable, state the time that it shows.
5,10
